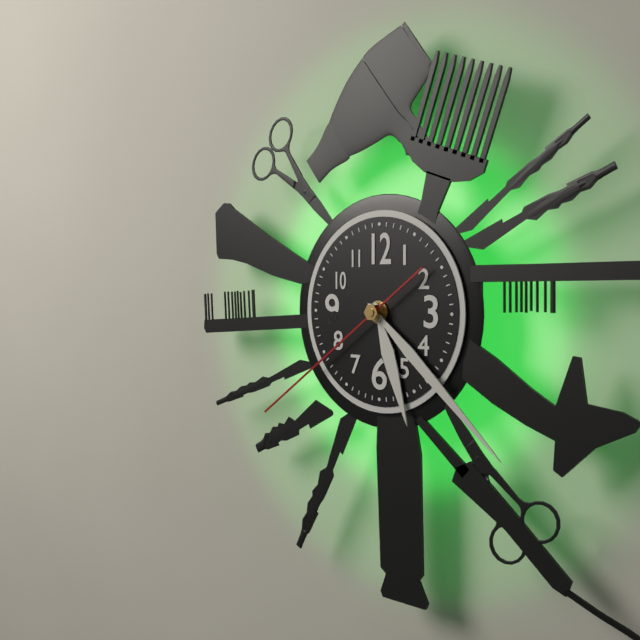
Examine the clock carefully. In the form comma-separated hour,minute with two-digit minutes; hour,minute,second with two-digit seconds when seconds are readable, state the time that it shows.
5,22,39
